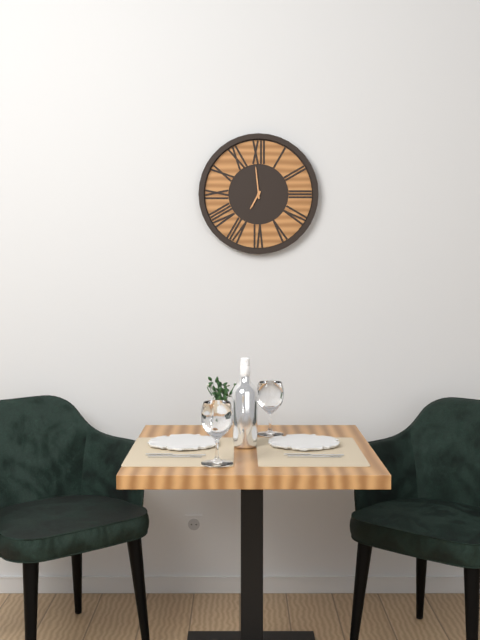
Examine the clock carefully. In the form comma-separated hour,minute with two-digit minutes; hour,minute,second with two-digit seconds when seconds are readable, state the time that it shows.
6,59
